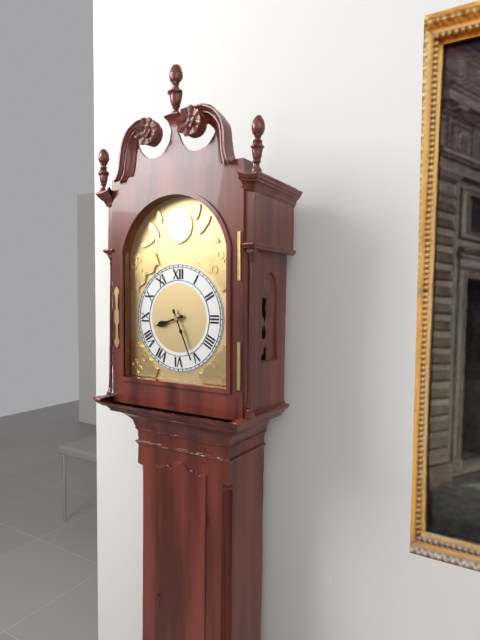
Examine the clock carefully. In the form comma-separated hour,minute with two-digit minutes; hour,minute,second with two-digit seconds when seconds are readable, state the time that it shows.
8,26
